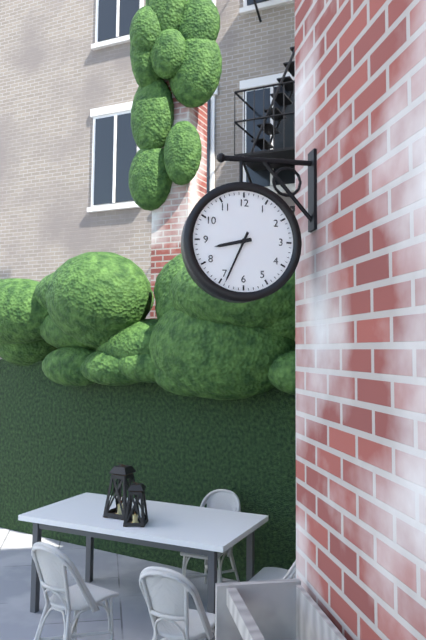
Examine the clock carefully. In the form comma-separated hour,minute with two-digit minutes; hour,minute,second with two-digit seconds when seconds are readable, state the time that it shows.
8,34
